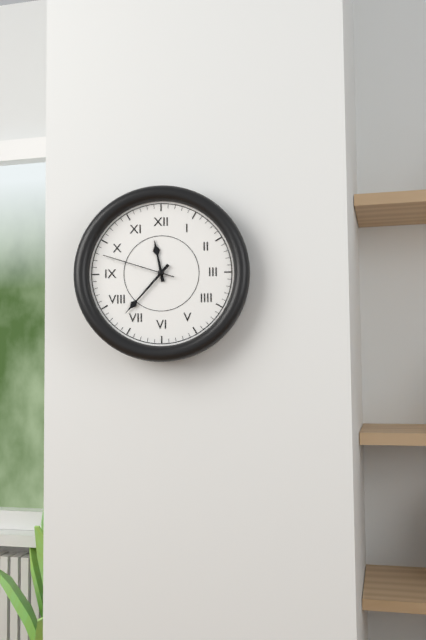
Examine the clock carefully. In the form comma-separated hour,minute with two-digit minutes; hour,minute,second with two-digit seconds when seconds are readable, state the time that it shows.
11,37,48
